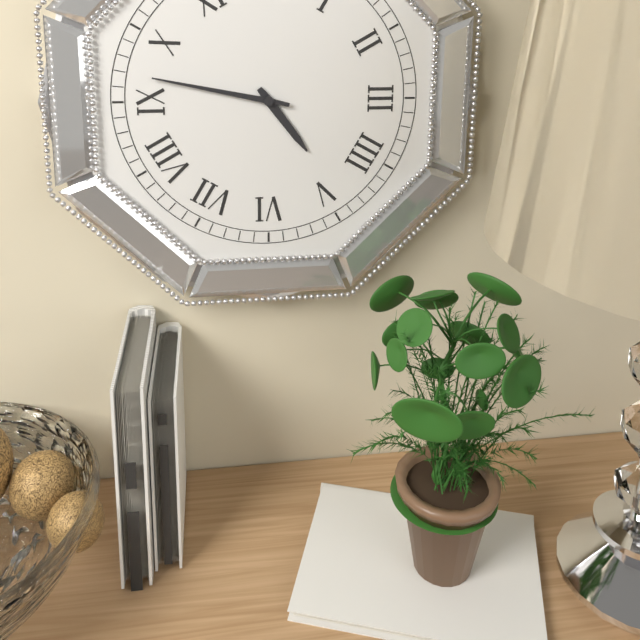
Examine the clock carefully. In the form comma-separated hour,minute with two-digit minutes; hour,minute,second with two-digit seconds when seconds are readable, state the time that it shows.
4,47
